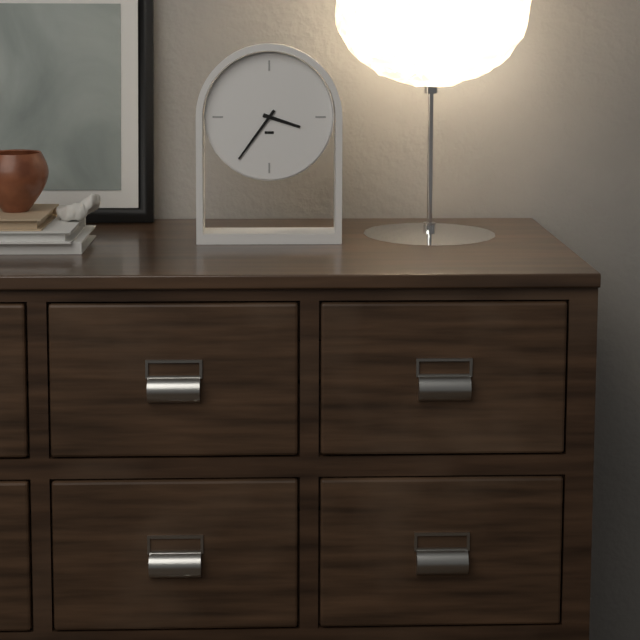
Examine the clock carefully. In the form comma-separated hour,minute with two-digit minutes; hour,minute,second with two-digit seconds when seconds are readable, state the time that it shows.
3,36
